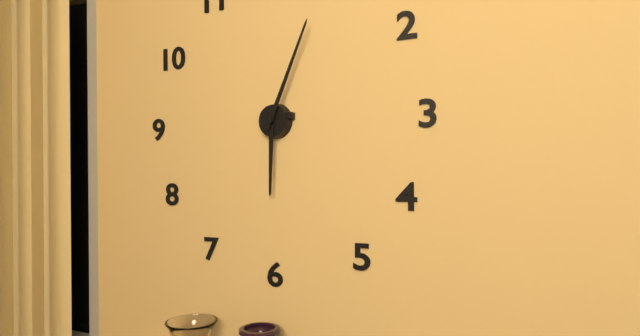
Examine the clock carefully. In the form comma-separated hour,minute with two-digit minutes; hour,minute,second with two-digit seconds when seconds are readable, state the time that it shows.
6,04
